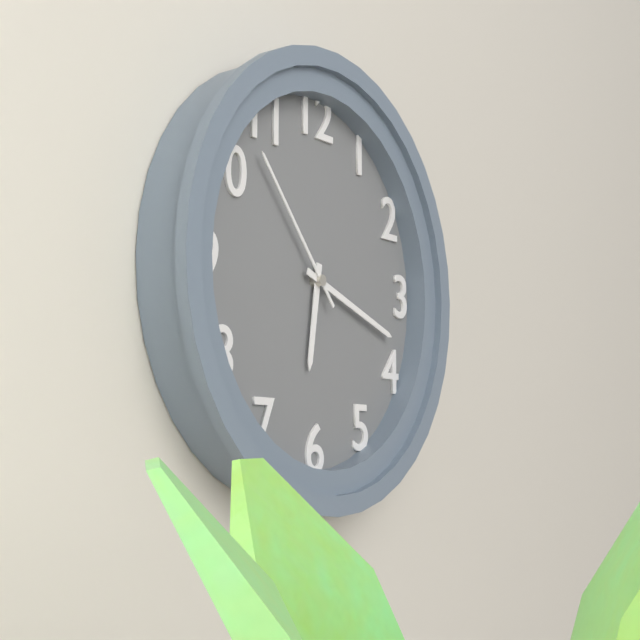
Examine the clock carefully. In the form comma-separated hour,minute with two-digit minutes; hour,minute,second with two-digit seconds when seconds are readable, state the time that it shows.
6,18,53
